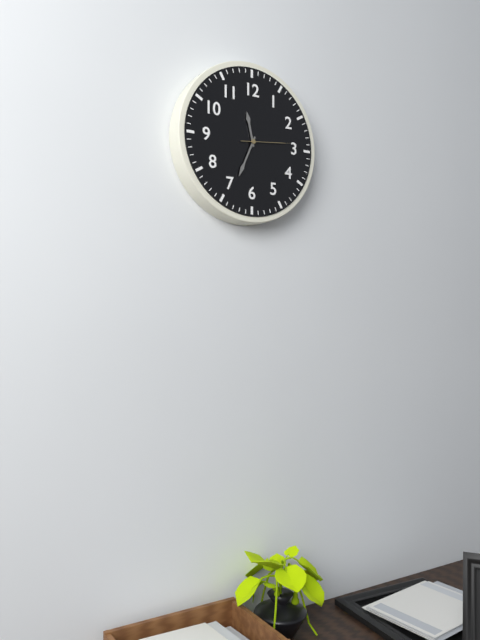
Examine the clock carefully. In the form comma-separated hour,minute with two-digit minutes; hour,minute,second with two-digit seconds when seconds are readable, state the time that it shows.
11,34
